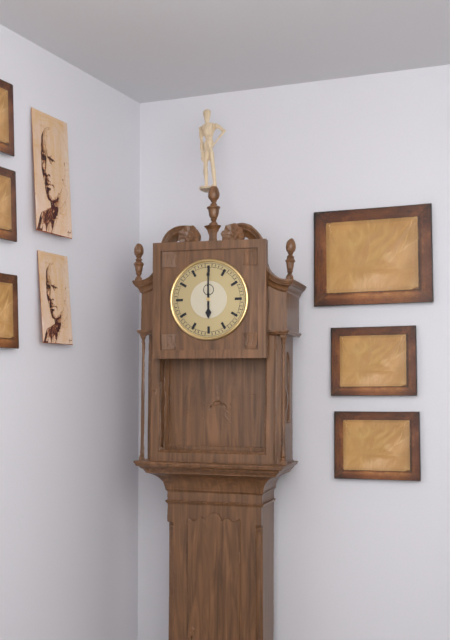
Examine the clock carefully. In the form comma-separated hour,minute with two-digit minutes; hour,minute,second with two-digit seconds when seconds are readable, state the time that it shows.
6,00
